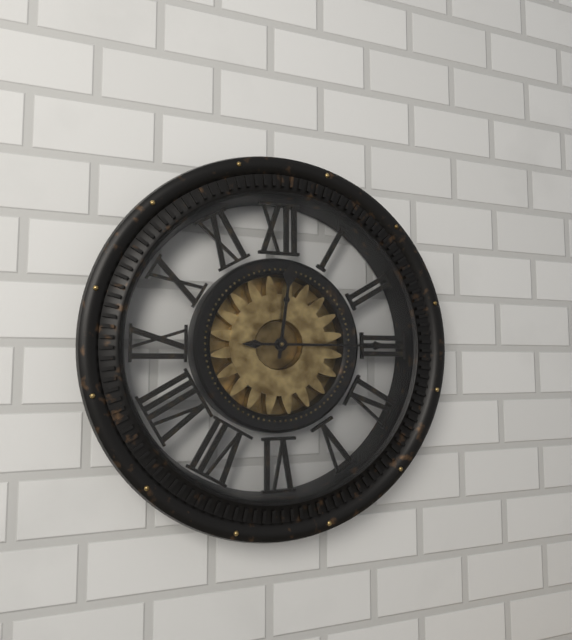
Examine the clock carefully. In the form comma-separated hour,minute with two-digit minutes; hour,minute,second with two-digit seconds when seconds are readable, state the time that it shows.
12,15
